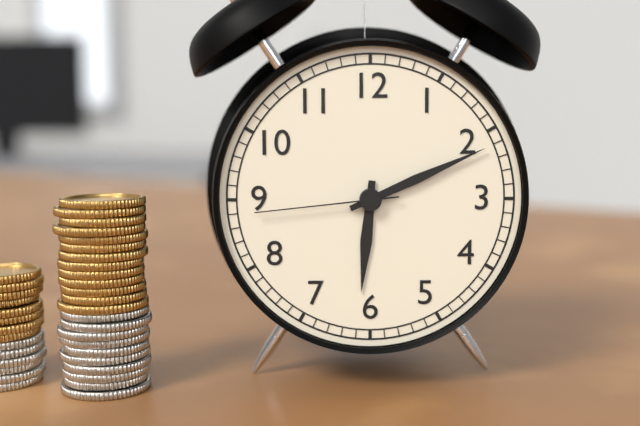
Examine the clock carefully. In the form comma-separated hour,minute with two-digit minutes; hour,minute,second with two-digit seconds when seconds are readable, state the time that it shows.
6,11,44
